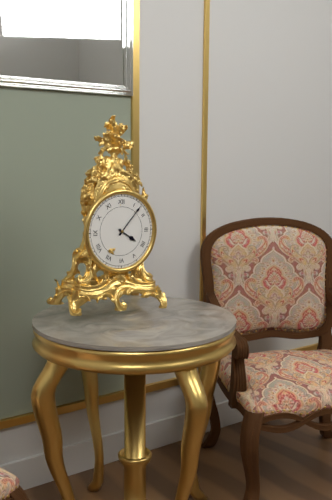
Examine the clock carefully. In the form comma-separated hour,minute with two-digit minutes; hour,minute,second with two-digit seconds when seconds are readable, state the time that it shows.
4,07
